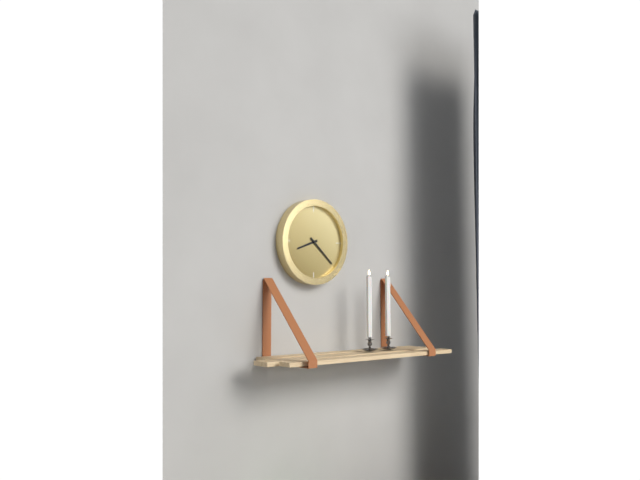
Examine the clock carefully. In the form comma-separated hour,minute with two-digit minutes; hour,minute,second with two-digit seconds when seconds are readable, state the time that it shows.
8,22
